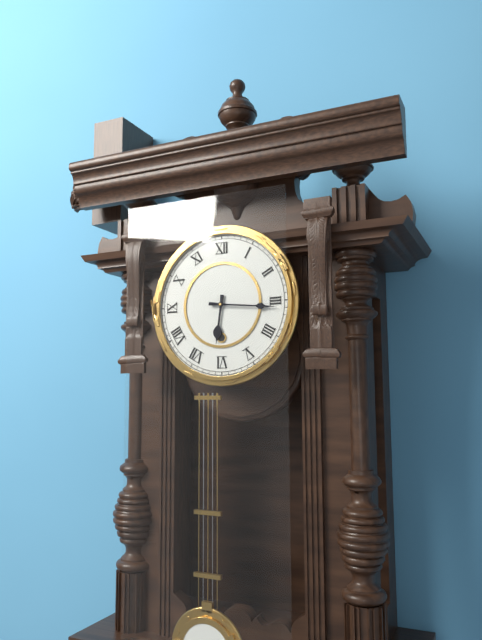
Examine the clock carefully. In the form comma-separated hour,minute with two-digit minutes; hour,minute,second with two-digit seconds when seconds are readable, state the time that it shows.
6,16
